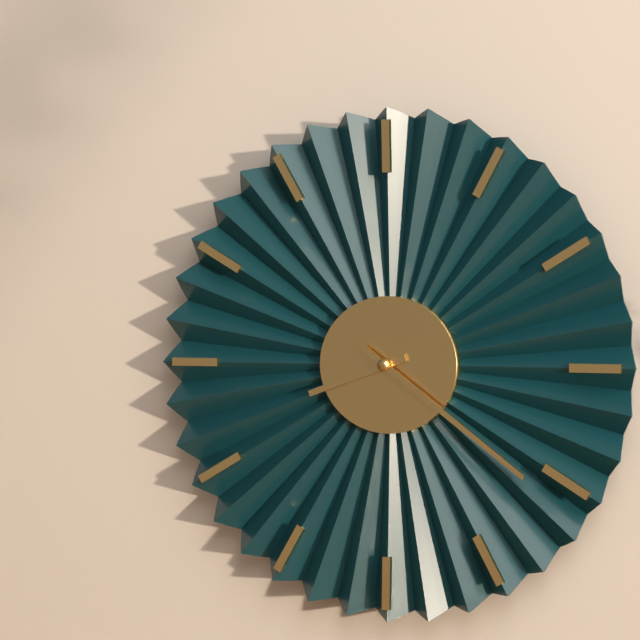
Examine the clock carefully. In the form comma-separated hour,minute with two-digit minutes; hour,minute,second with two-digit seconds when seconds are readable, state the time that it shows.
8,21
